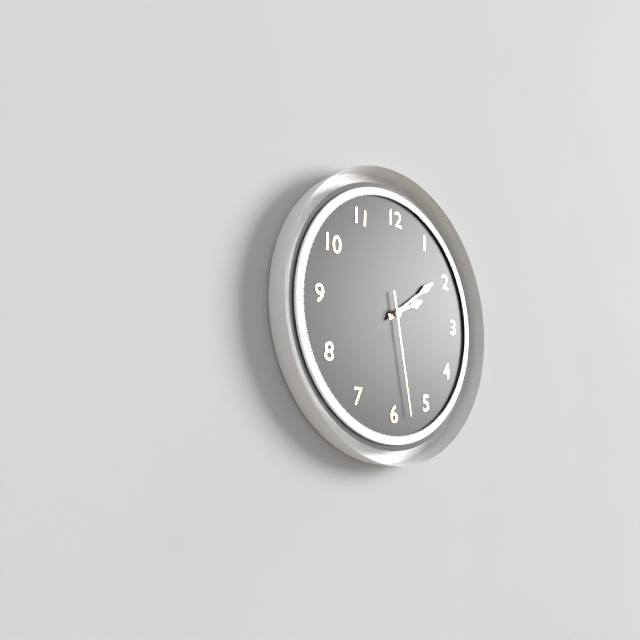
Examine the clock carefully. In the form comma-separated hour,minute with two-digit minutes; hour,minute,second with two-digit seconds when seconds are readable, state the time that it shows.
2,09,28
